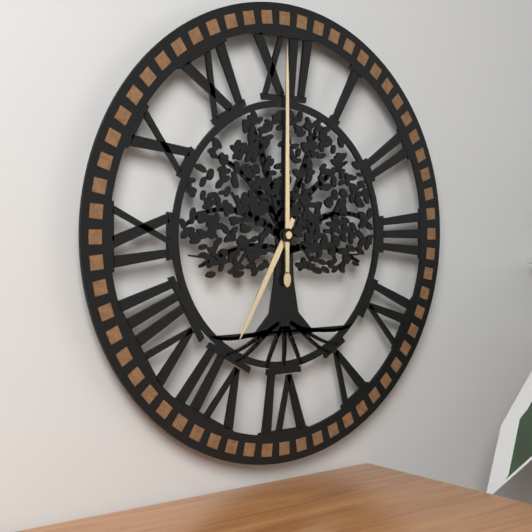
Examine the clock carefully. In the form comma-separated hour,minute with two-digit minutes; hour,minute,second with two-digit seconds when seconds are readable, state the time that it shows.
7,00
